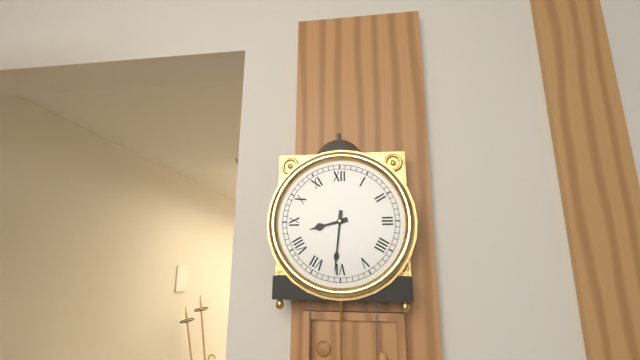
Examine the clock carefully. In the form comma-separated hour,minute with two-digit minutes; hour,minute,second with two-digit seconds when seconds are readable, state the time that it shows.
8,31
